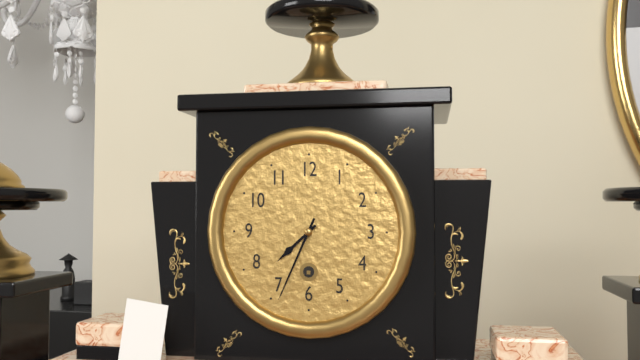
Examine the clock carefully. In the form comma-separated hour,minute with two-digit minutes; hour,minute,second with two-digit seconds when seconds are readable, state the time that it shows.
7,34
